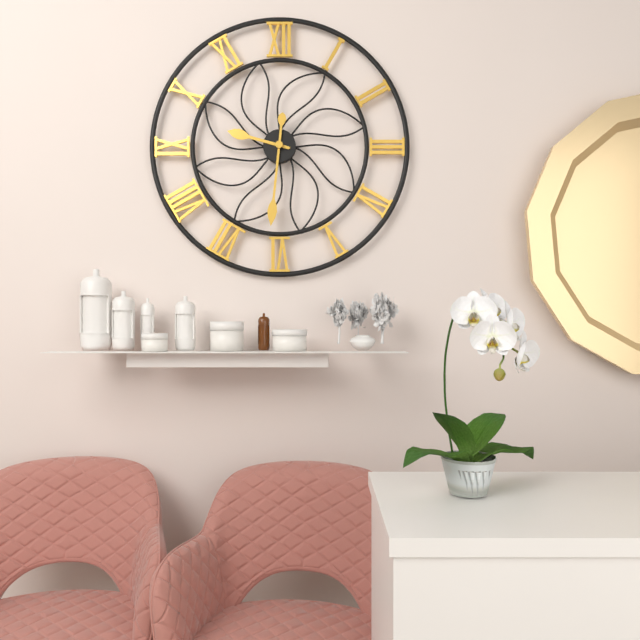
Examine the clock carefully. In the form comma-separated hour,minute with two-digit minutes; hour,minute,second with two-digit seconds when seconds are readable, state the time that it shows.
9,31
